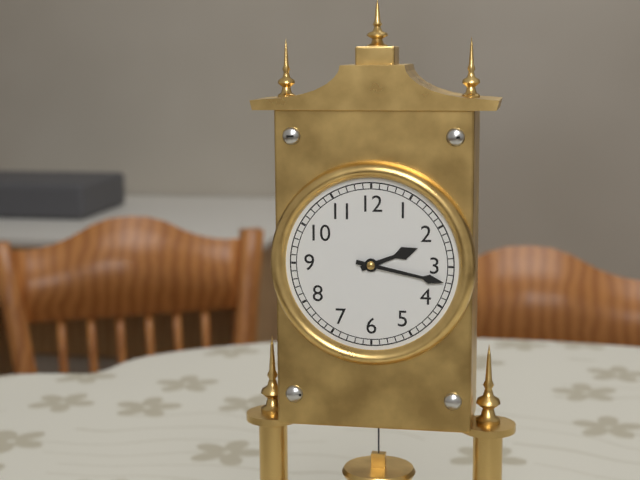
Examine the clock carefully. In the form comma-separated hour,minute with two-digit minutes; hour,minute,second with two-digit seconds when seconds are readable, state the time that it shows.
2,17
